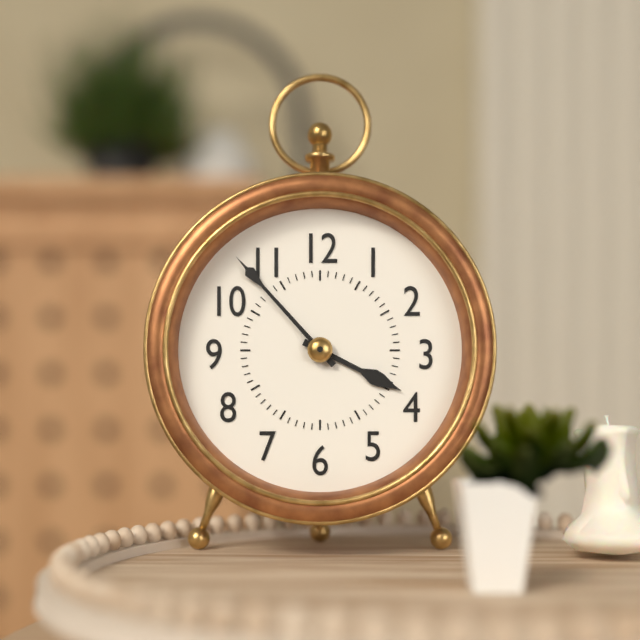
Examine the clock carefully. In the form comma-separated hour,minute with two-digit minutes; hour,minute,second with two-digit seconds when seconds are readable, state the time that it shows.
3,53
